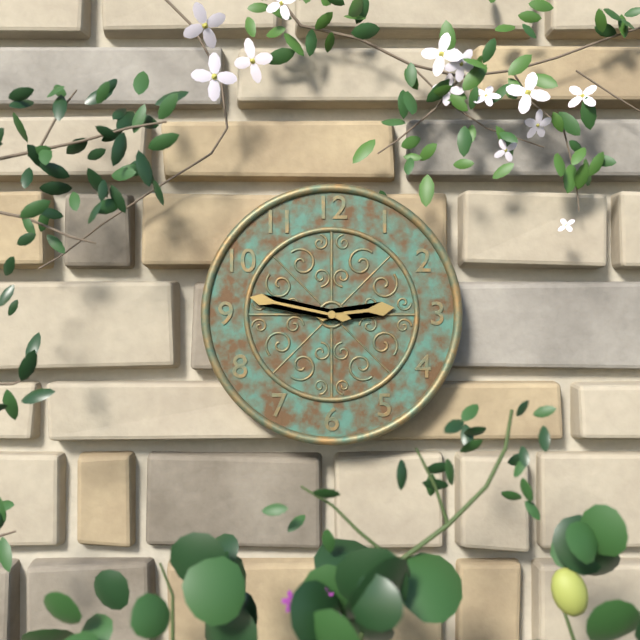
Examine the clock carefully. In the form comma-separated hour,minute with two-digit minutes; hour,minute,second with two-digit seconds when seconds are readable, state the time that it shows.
2,47
